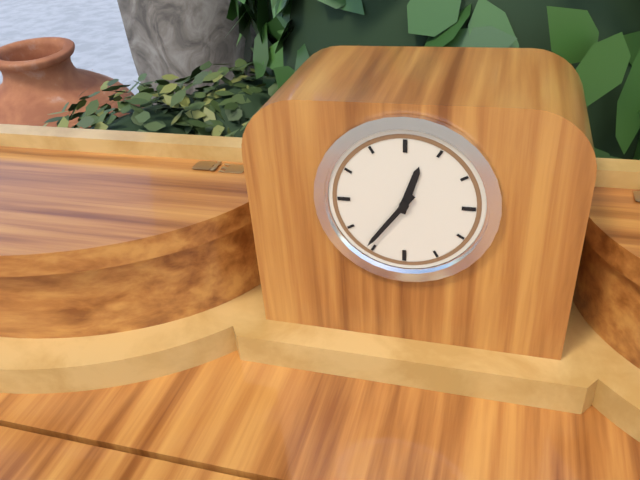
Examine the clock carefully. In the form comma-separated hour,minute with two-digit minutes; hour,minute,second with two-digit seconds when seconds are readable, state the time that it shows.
12,36
